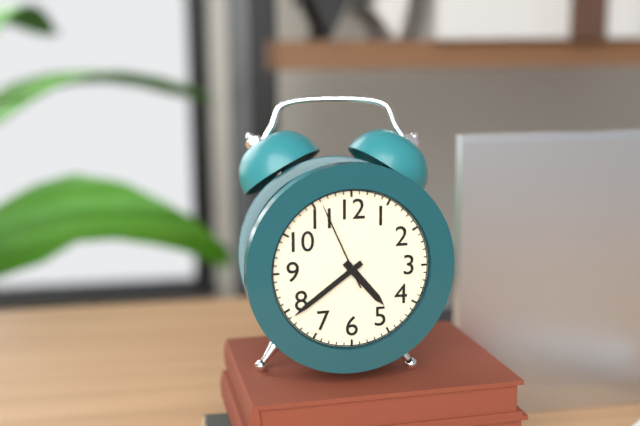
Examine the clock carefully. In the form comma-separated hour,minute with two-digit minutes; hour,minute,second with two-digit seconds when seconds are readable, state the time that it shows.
4,39,56
